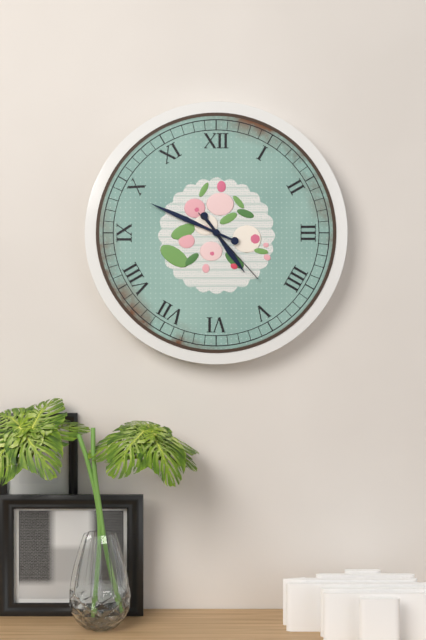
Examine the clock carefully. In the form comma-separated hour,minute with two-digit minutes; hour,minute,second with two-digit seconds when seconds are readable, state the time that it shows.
4,49,23
